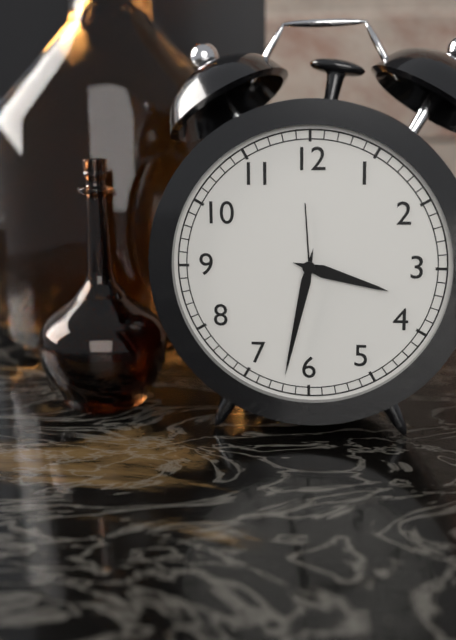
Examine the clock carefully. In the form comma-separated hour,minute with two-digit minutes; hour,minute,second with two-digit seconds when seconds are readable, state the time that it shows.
3,32
